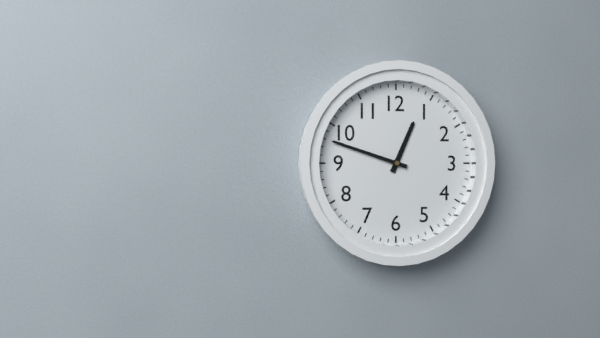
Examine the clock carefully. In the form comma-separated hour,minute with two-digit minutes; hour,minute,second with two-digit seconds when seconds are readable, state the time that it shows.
12,48
